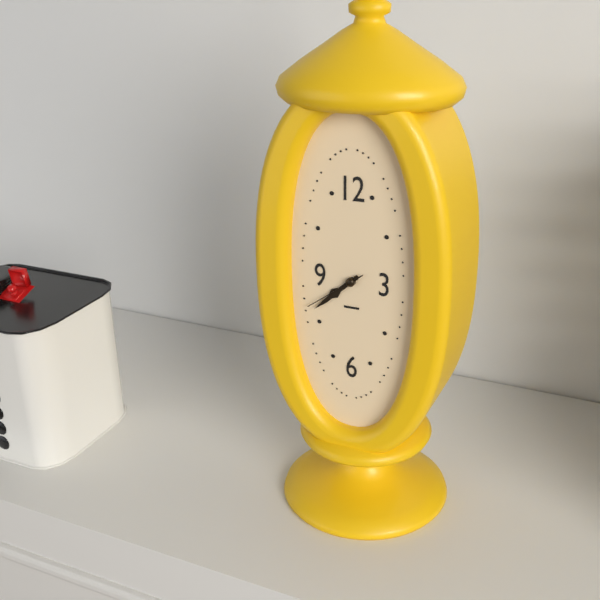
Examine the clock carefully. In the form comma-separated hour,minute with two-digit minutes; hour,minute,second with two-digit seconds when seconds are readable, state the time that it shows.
7,38,39
